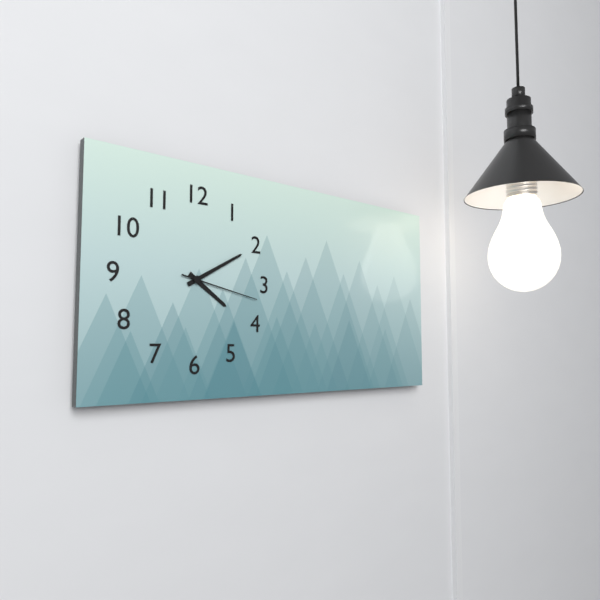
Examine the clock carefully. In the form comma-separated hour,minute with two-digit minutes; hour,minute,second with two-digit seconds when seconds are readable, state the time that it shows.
4,10,17
